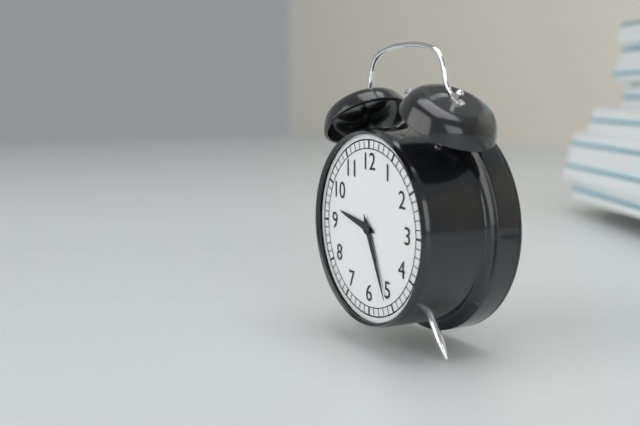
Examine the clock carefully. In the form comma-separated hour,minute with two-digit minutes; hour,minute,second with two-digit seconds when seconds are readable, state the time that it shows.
9,26
